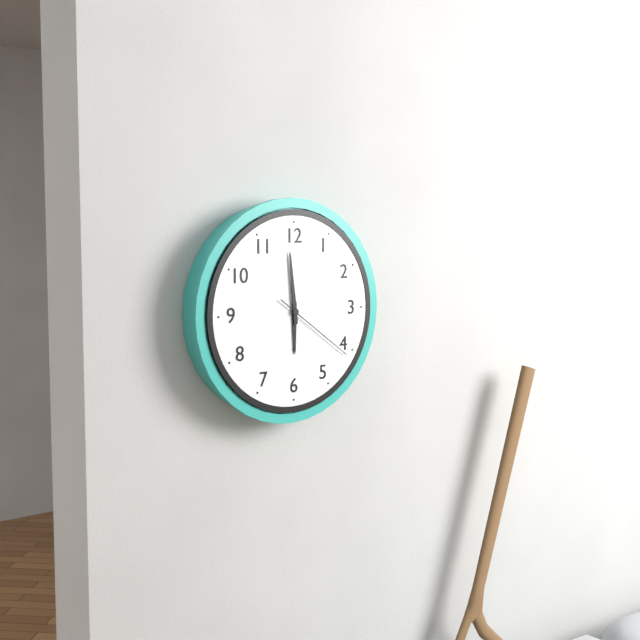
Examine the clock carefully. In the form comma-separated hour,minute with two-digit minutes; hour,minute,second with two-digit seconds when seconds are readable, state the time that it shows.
5,59,21
